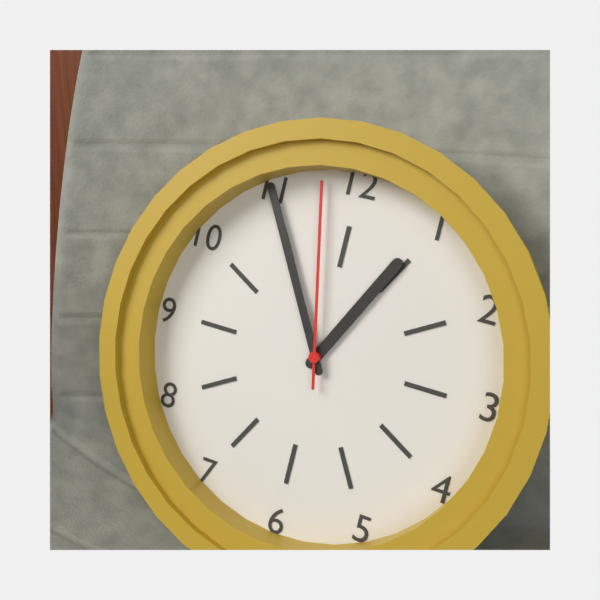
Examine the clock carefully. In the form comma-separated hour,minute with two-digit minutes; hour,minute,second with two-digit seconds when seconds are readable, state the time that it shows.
12,55,58
